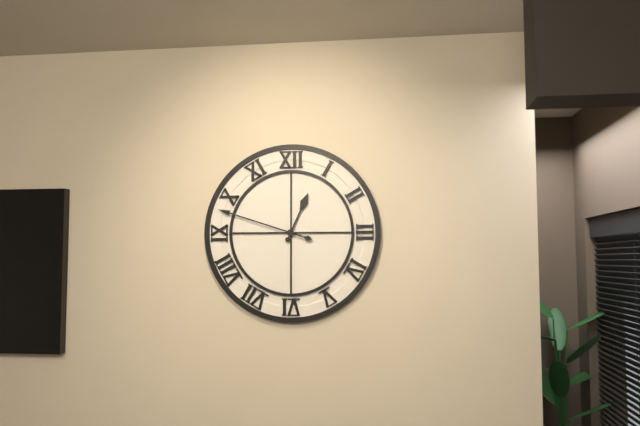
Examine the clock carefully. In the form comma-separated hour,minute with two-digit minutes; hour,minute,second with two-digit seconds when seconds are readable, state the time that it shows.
12,48
